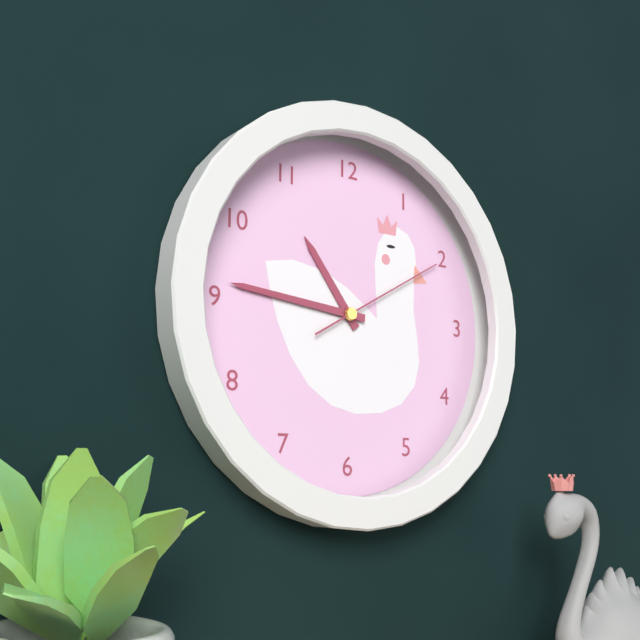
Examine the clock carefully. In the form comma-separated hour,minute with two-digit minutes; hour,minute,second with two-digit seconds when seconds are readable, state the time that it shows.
10,46,10
